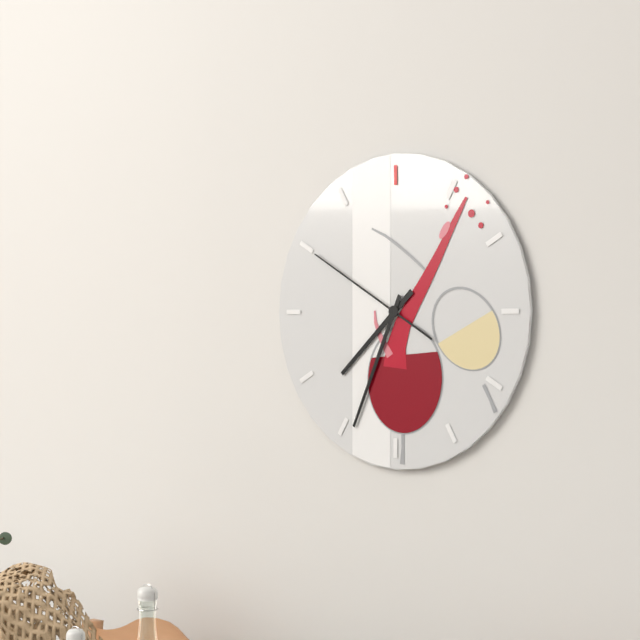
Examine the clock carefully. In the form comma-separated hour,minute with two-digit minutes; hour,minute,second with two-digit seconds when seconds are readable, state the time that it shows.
7,34,50
